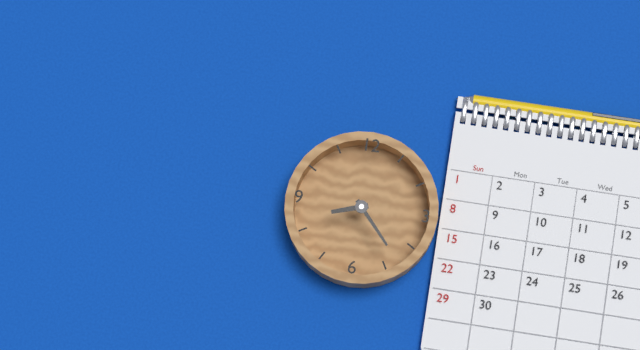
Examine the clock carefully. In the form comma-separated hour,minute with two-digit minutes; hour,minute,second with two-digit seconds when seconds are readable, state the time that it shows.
8,23
